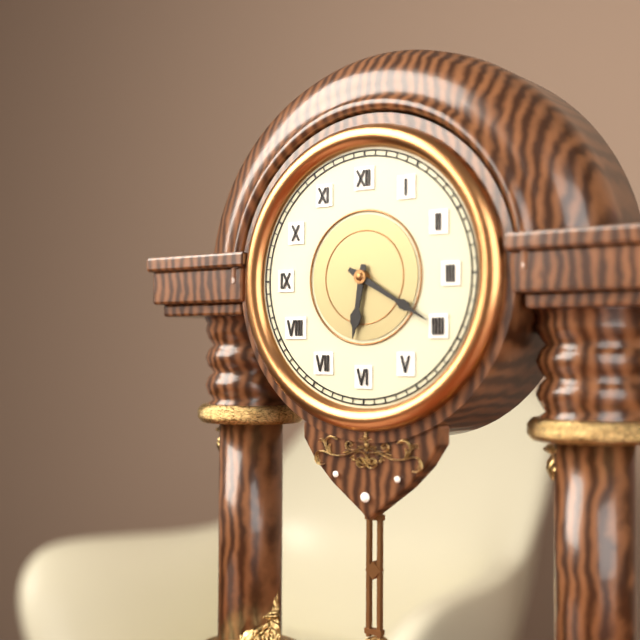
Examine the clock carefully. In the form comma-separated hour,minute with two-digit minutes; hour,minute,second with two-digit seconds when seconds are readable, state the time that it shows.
6,20
